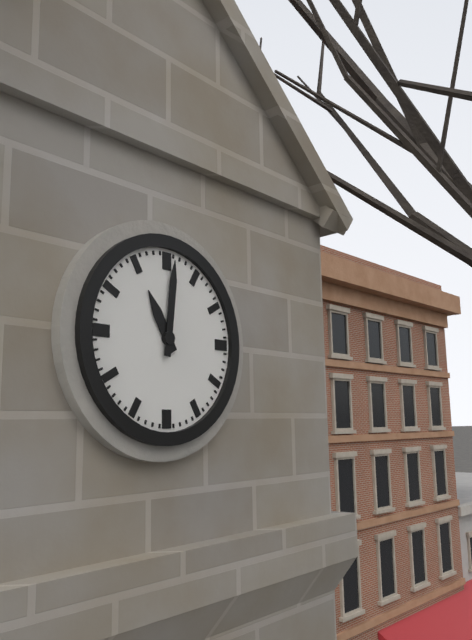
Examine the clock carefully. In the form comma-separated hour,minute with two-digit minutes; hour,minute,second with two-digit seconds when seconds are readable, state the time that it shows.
11,01
